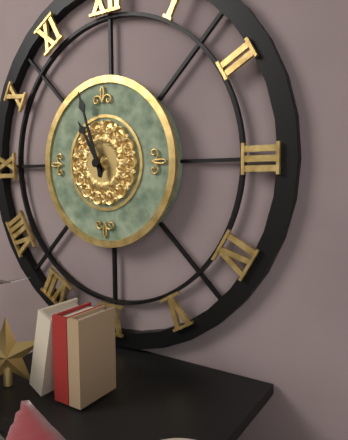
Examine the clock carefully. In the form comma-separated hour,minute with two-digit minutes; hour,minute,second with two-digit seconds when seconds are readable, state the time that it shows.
10,57
